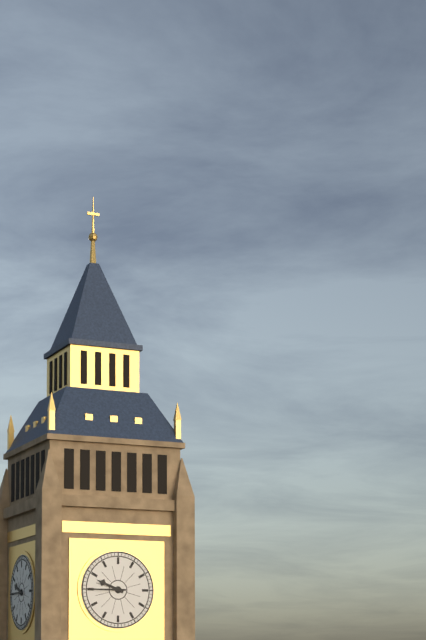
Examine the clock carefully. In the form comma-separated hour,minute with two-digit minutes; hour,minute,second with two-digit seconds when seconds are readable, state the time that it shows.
9,45
